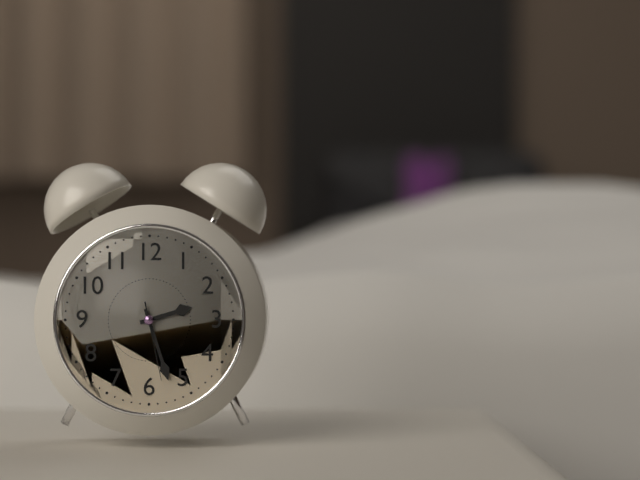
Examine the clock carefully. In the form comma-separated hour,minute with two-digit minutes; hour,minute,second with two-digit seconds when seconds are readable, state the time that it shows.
2,27,28
